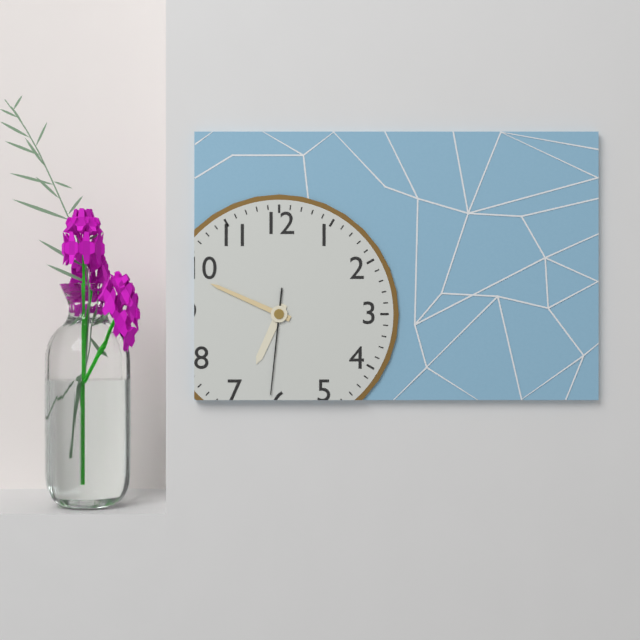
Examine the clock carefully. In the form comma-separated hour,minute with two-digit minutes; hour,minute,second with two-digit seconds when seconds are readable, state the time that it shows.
6,49,31
